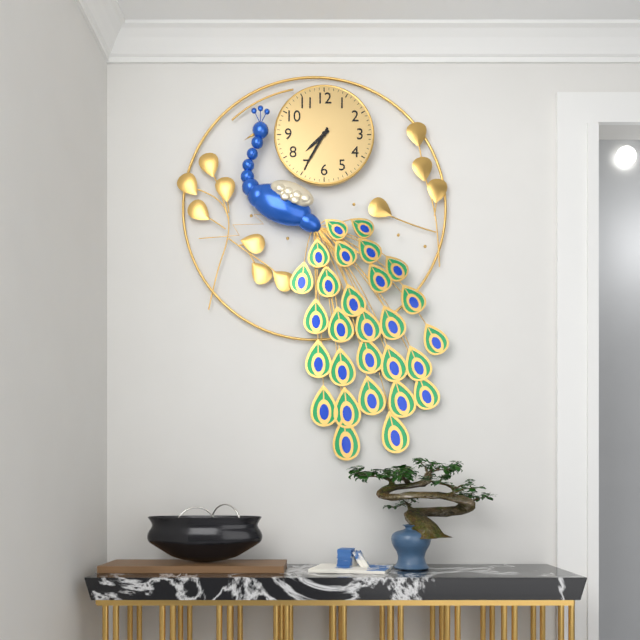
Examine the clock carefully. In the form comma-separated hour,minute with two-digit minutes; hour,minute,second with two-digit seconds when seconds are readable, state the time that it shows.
7,35
